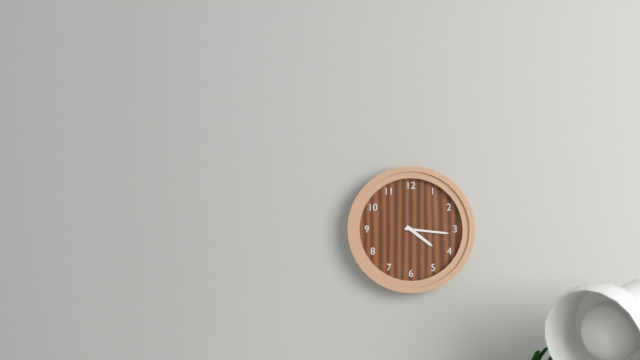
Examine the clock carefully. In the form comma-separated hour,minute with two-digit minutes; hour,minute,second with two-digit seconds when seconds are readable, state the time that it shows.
4,16
